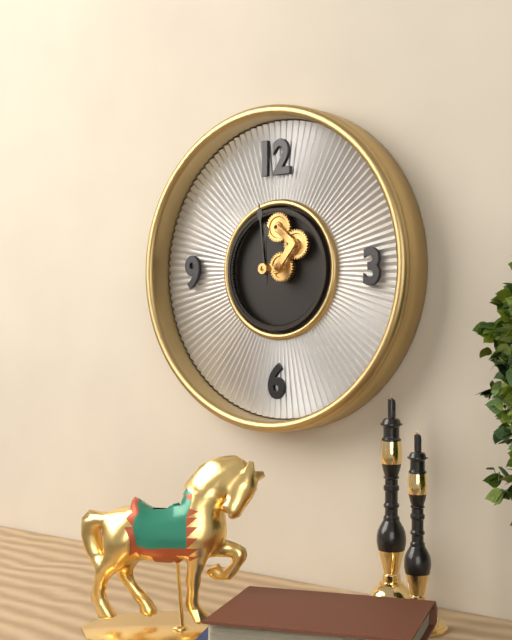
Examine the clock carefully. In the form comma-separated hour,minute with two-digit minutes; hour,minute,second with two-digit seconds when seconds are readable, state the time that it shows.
11,59
